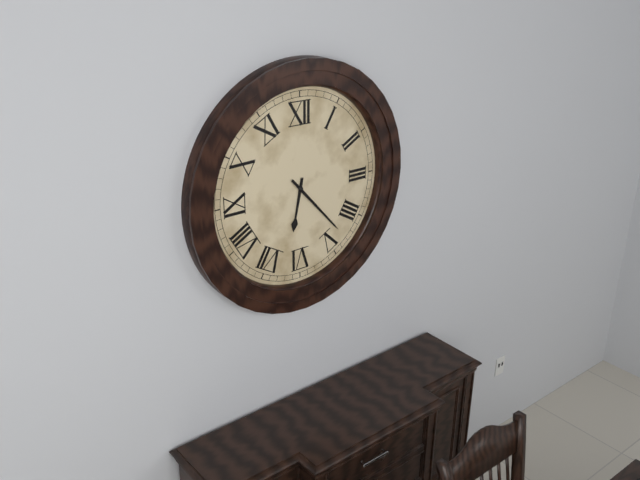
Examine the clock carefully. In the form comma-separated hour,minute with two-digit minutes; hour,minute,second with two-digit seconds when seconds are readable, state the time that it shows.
6,23
